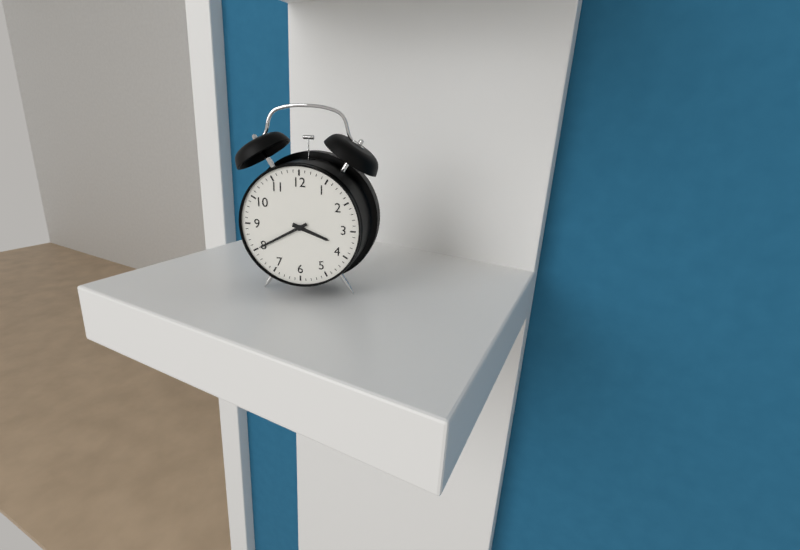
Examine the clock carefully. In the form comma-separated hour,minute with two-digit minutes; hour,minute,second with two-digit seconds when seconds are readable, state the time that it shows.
3,40
